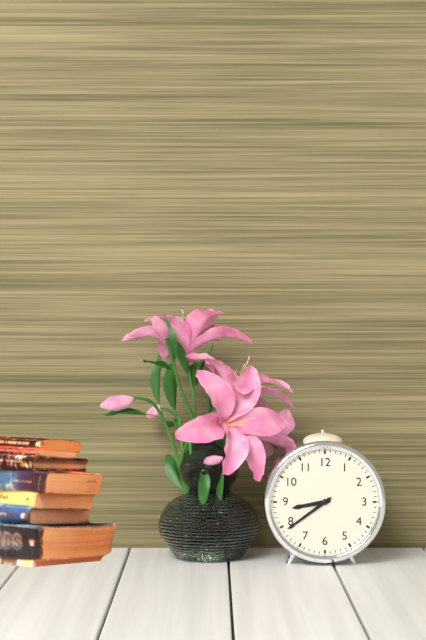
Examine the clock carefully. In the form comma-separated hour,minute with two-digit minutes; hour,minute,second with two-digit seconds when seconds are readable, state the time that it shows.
8,39
